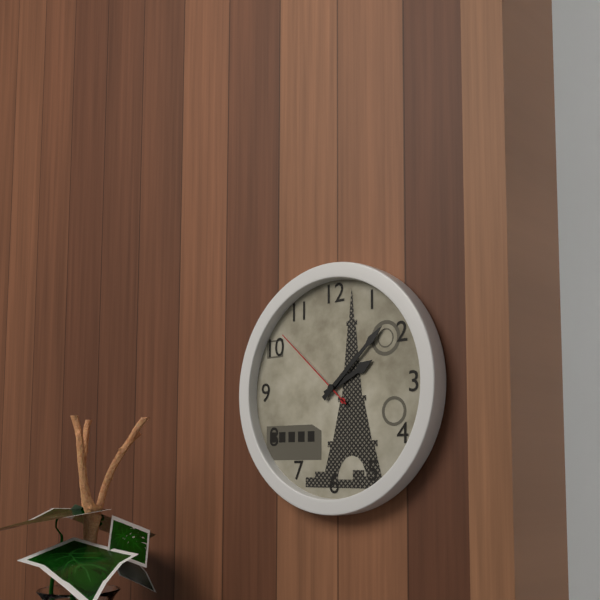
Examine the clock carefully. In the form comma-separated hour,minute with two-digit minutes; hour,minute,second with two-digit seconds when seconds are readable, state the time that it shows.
2,08,52
